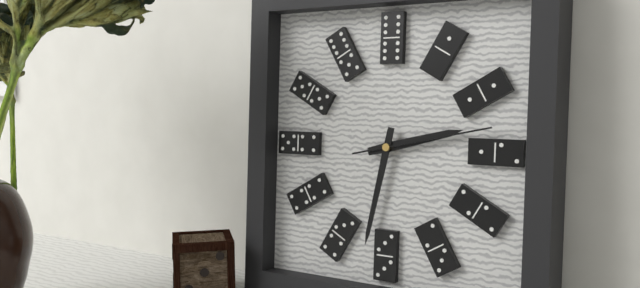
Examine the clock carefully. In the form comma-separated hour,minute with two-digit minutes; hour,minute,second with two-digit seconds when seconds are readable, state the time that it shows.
2,32,13
